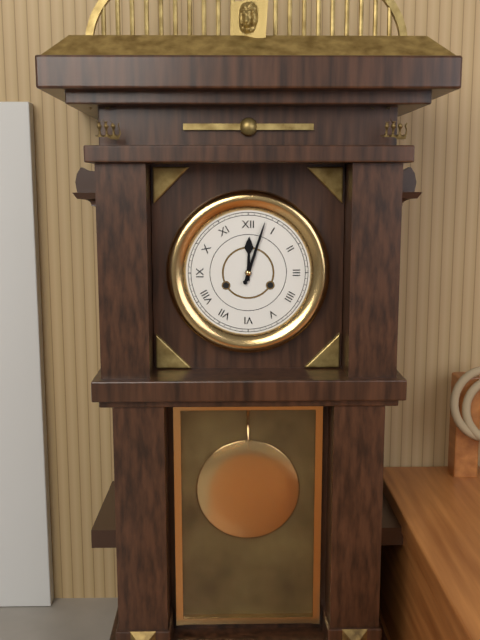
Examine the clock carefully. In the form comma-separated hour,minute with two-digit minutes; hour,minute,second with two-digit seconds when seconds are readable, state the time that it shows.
12,03
